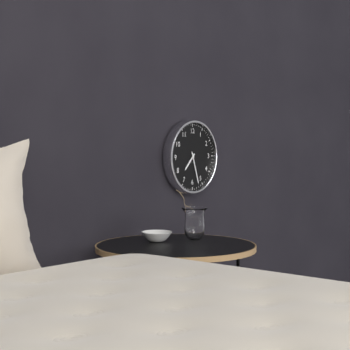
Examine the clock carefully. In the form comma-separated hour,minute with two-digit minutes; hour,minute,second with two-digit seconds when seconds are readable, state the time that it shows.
7,27
